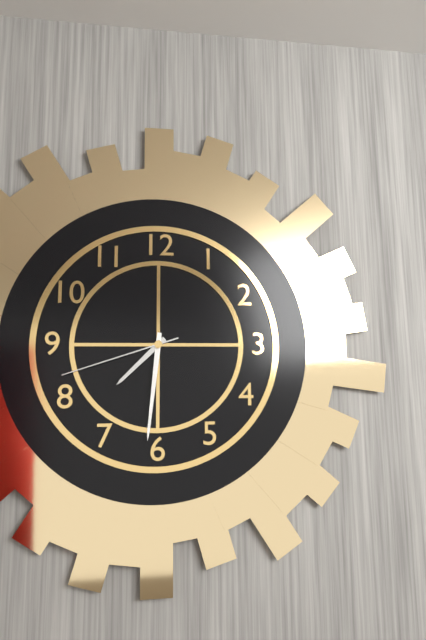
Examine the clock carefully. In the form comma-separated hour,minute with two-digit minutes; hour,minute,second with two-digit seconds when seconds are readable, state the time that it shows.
7,31,42
